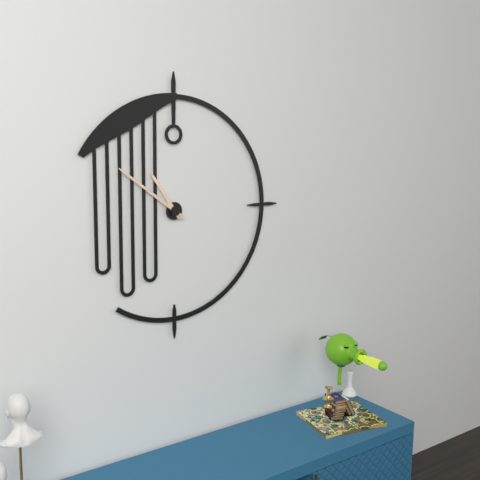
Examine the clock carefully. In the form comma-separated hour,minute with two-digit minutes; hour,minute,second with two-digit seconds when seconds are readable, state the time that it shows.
10,51
